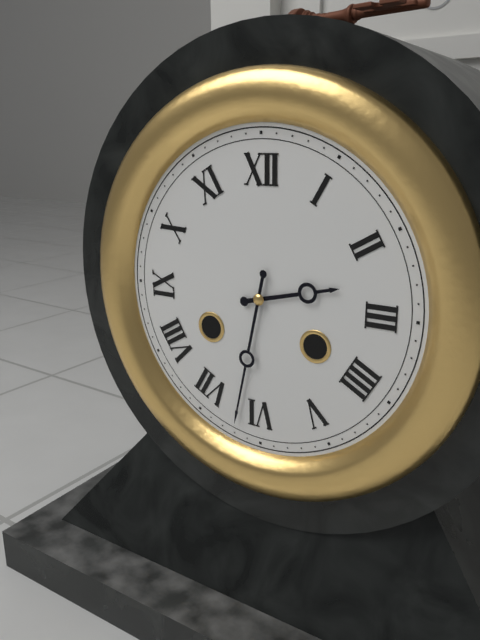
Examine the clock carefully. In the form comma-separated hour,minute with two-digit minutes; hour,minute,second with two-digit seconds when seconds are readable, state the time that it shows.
2,32
